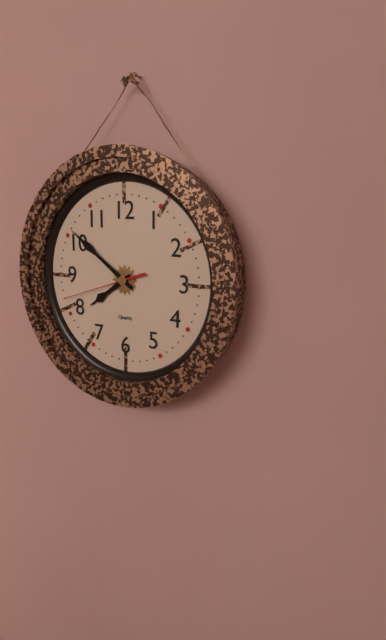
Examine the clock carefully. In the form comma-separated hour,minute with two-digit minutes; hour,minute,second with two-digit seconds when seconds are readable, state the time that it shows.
7,51,42
